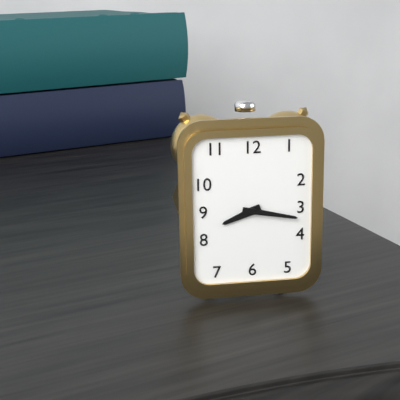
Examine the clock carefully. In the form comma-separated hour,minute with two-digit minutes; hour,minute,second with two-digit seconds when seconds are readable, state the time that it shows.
8,17
